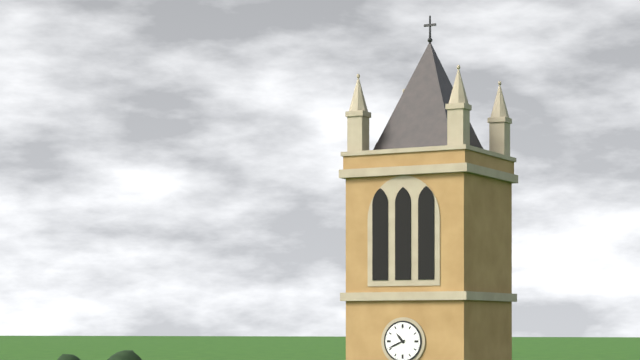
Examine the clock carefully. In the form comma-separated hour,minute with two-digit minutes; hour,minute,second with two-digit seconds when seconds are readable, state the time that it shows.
10,41
